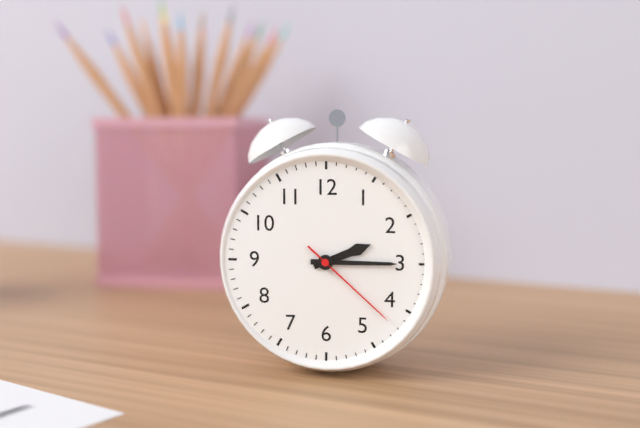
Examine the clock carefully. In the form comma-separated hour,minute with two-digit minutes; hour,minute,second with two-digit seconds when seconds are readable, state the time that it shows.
2,15,22
